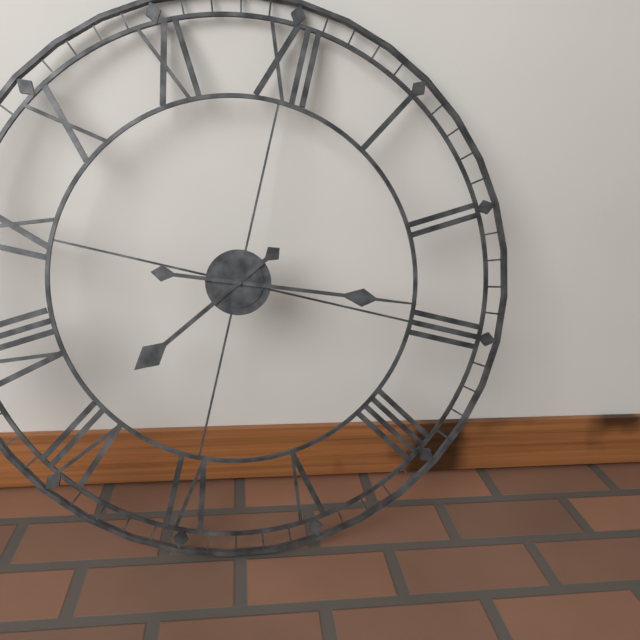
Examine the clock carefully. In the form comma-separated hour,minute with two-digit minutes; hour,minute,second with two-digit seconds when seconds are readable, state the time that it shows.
7,14
